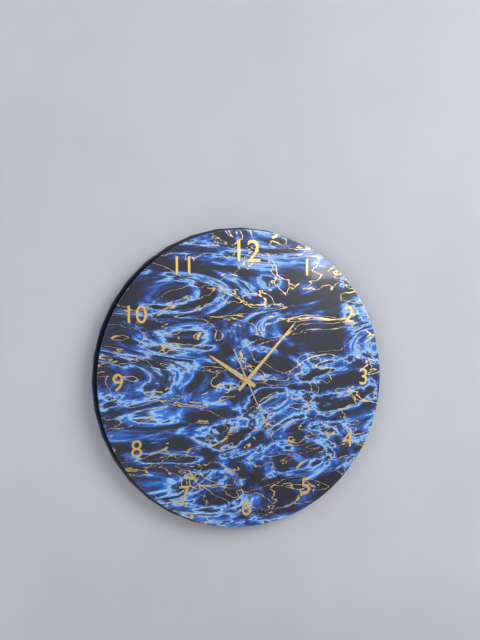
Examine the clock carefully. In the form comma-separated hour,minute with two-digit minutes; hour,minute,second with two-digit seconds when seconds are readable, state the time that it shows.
10,07,26
